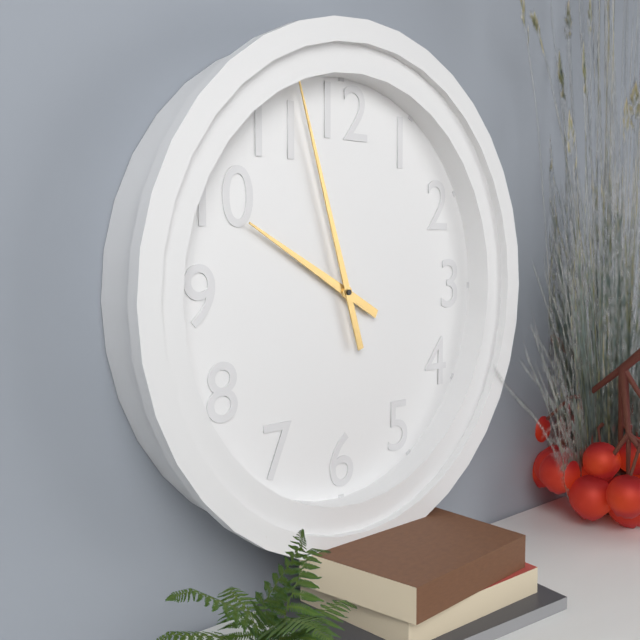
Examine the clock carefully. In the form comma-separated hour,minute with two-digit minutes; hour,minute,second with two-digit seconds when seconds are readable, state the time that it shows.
9,57
